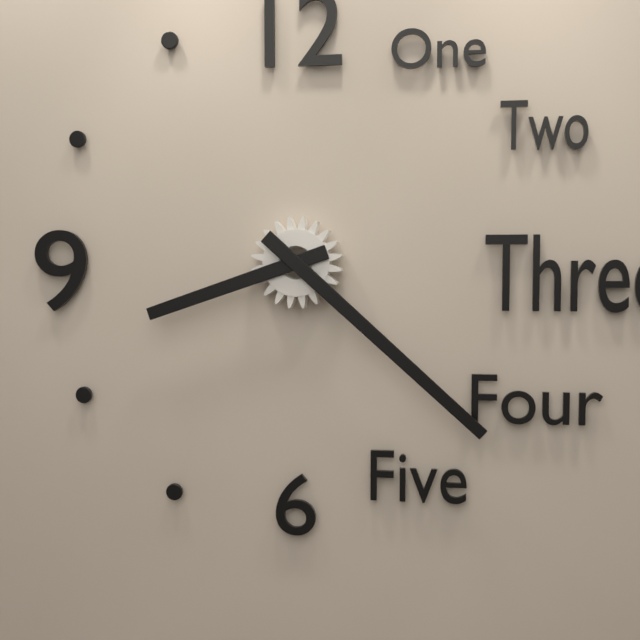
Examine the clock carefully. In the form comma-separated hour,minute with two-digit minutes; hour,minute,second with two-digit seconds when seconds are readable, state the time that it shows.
8,22
